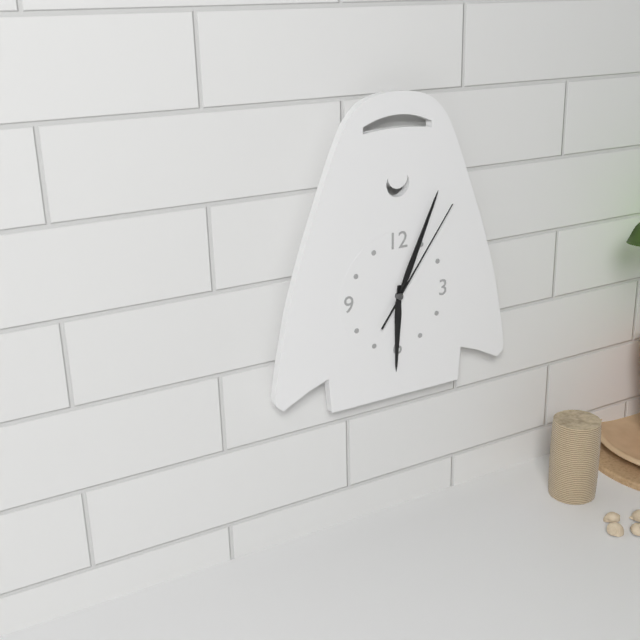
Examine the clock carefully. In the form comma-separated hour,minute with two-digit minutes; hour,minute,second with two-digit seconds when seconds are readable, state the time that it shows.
6,04,06
